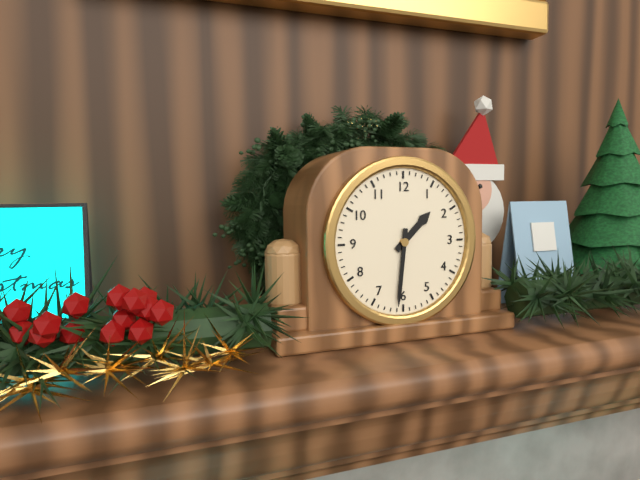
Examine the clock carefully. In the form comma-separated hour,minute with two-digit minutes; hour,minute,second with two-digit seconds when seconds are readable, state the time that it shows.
1,31
